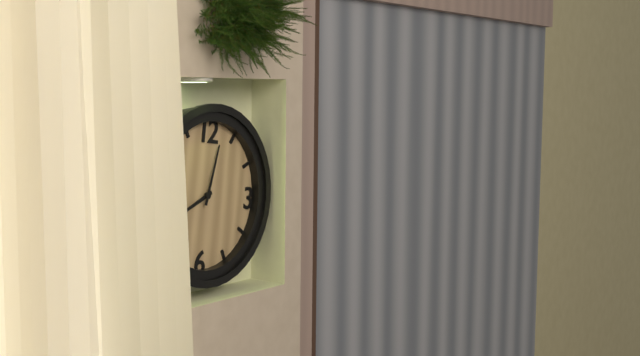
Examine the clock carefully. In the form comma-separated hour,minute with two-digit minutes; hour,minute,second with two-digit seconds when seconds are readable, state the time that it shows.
8,02
